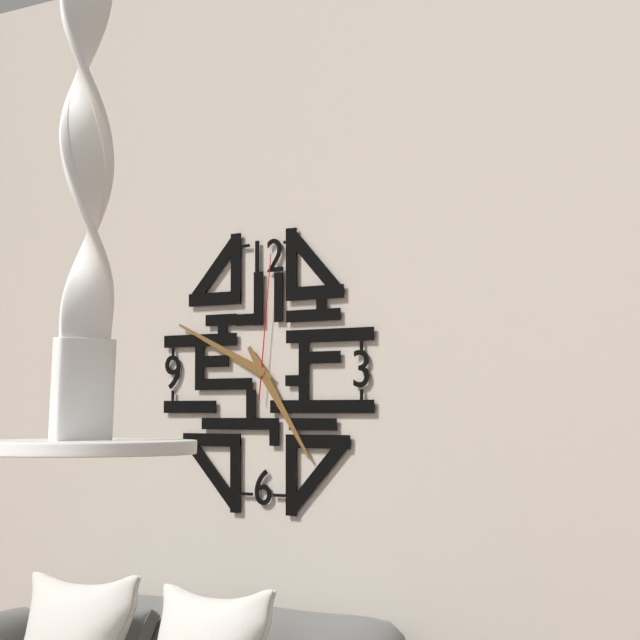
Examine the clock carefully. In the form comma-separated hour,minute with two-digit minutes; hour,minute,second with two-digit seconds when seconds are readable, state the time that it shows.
4,49,01
